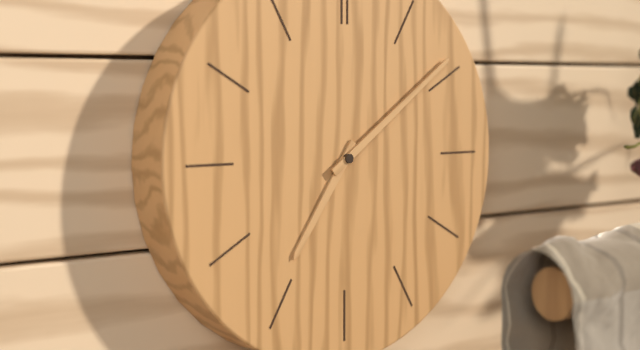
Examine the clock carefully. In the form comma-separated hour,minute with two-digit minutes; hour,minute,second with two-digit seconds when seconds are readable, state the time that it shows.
7,09
